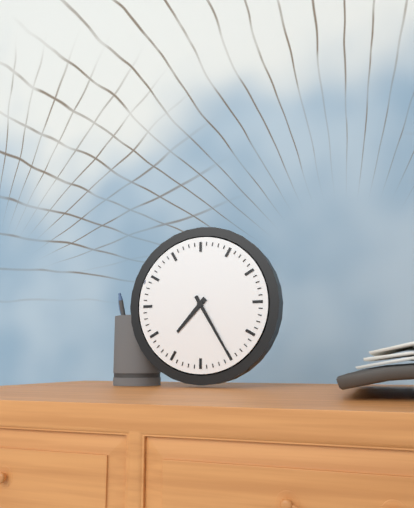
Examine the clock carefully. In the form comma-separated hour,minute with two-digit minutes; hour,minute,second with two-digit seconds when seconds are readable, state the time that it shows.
7,25
